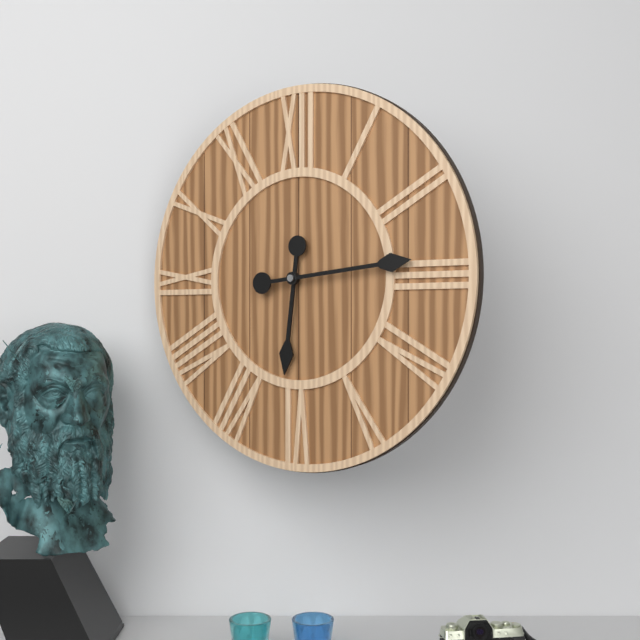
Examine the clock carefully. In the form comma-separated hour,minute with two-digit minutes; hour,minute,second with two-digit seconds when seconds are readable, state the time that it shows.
6,14
